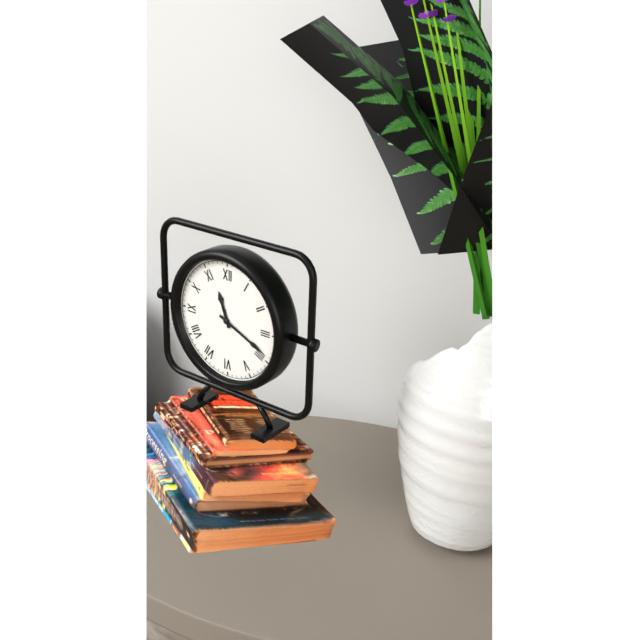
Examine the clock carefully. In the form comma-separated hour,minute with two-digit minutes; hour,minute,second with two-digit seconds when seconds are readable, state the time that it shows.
11,19
